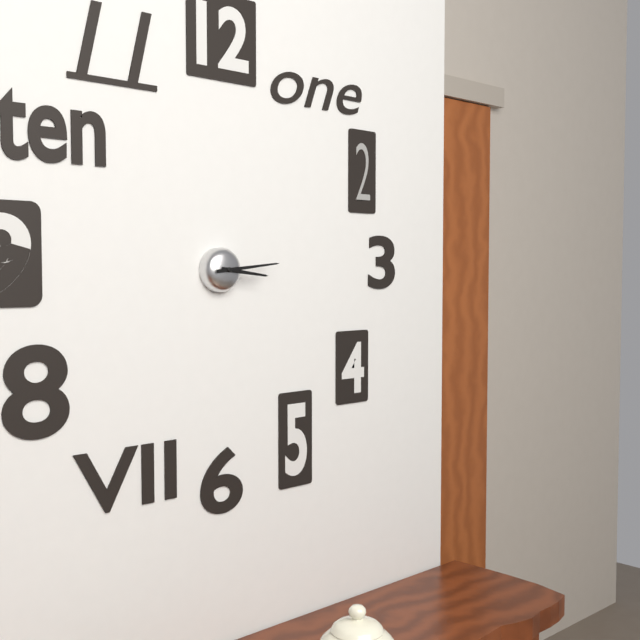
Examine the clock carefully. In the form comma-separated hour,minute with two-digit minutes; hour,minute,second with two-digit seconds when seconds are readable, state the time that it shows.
3,14
